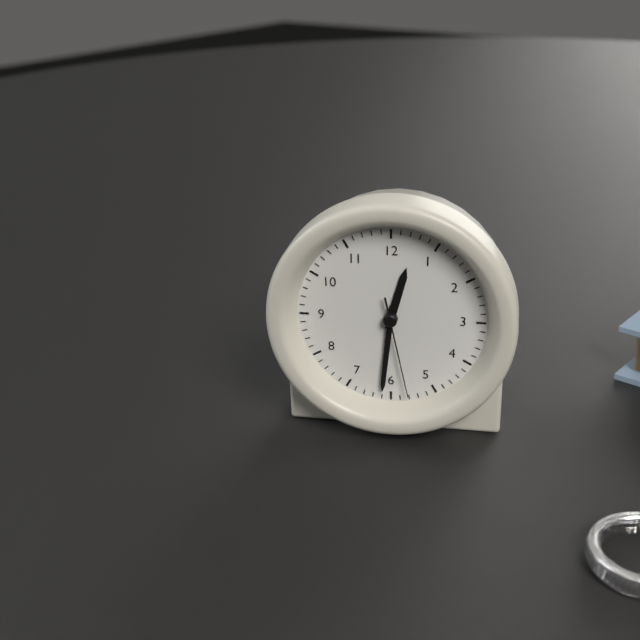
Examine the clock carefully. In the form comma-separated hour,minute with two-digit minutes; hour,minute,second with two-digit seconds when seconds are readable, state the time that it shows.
12,31,28
